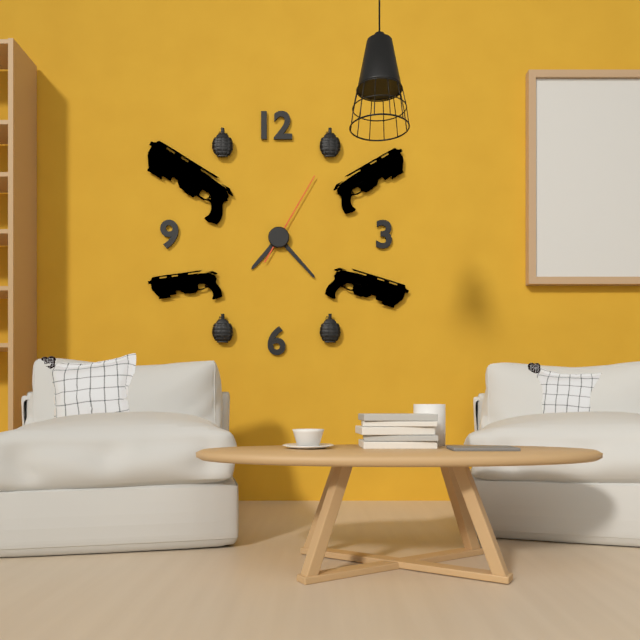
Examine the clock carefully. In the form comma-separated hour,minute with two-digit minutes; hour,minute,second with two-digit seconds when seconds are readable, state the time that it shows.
7,23,05
